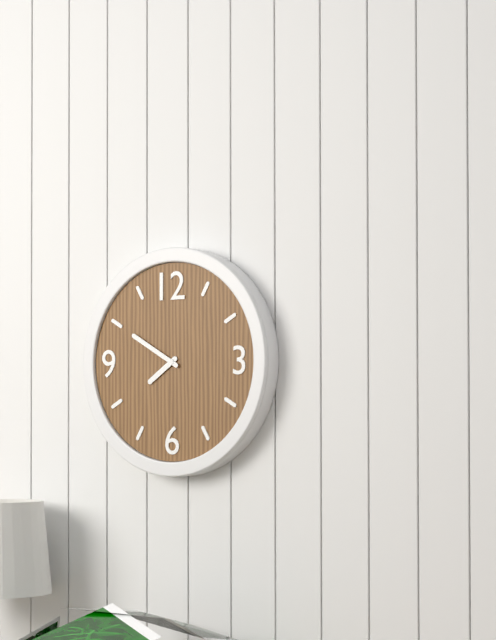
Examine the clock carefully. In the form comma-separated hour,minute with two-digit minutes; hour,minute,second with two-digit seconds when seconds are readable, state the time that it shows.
7,50
